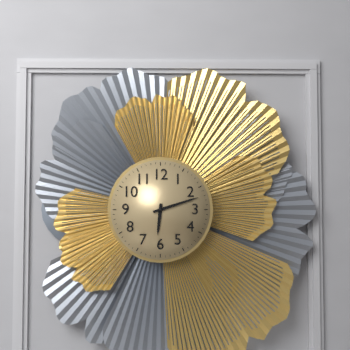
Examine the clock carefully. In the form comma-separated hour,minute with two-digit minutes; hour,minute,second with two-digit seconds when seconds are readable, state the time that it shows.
6,12
